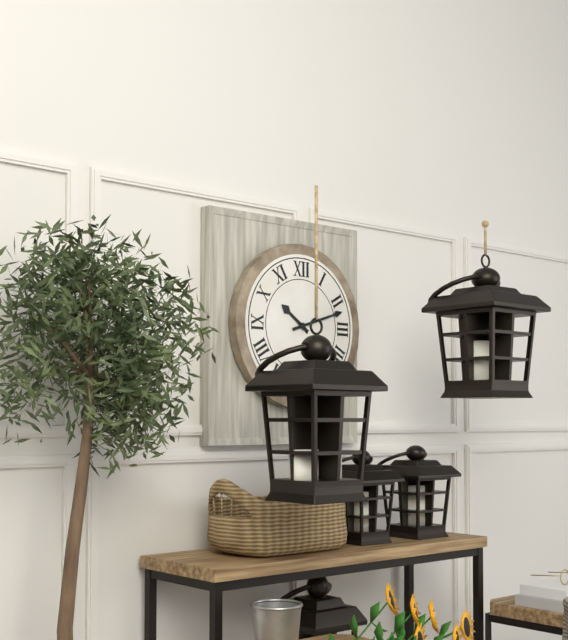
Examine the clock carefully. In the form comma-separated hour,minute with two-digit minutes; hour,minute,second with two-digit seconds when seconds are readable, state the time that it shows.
10,12
